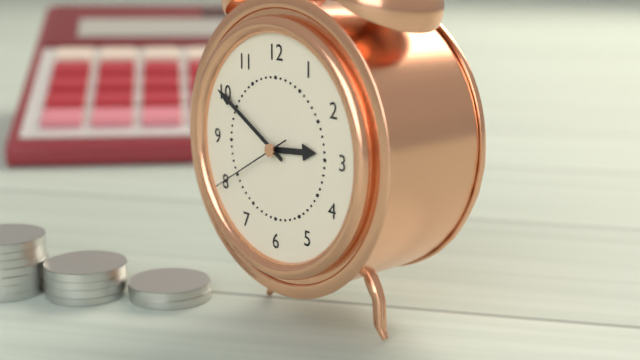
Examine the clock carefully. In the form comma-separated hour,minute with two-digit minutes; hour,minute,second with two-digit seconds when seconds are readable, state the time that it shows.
2,50,40
